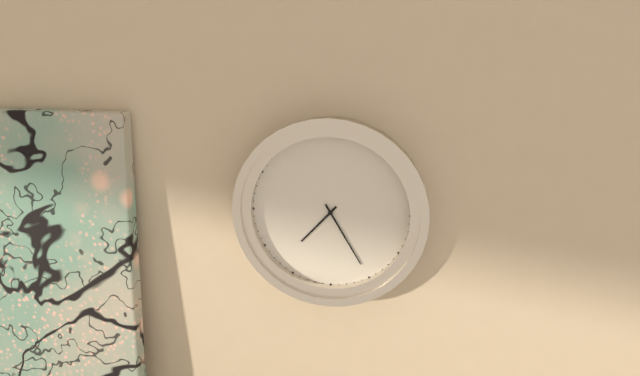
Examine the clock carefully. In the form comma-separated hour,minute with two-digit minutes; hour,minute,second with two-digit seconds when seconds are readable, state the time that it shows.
7,25
